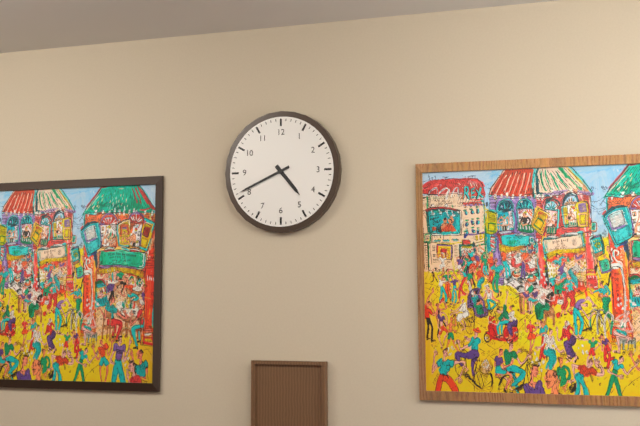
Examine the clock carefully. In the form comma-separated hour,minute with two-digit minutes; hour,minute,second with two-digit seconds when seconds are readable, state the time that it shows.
4,41
